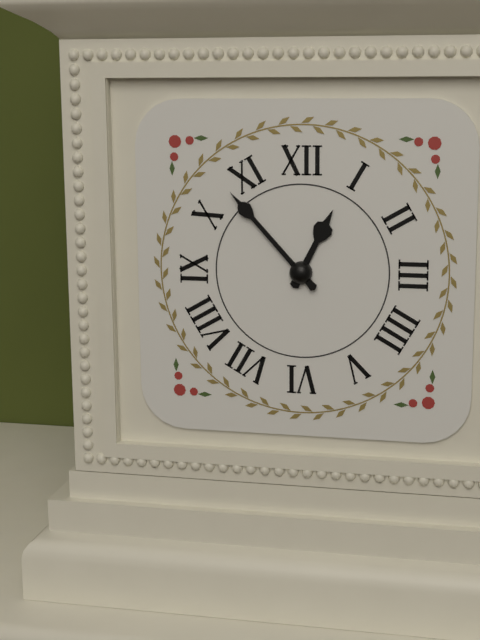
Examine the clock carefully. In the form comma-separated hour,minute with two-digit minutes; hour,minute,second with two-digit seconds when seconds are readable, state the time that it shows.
12,53
